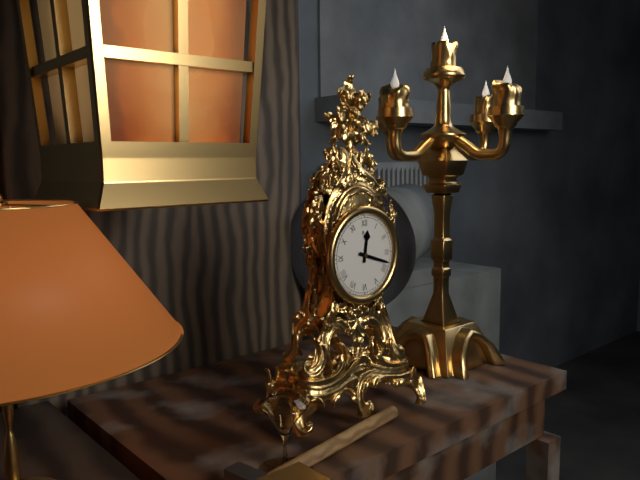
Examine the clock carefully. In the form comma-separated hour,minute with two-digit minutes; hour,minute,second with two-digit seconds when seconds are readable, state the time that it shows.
12,18
